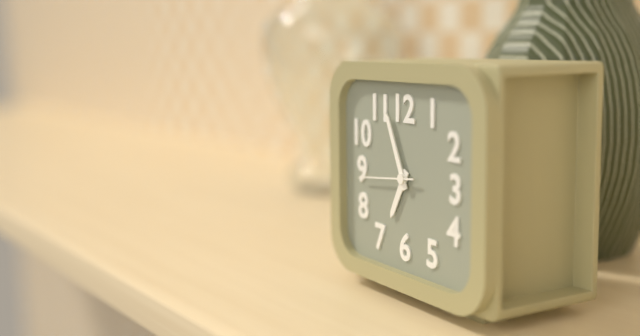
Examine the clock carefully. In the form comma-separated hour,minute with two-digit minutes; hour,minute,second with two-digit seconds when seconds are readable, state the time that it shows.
6,56,44
